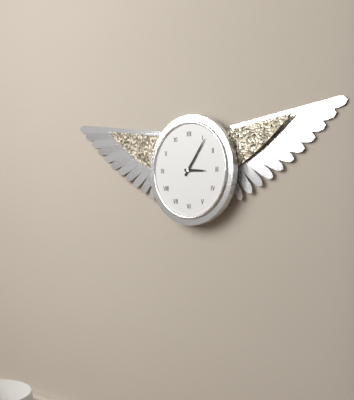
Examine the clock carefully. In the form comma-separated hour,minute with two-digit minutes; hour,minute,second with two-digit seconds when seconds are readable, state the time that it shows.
3,06
